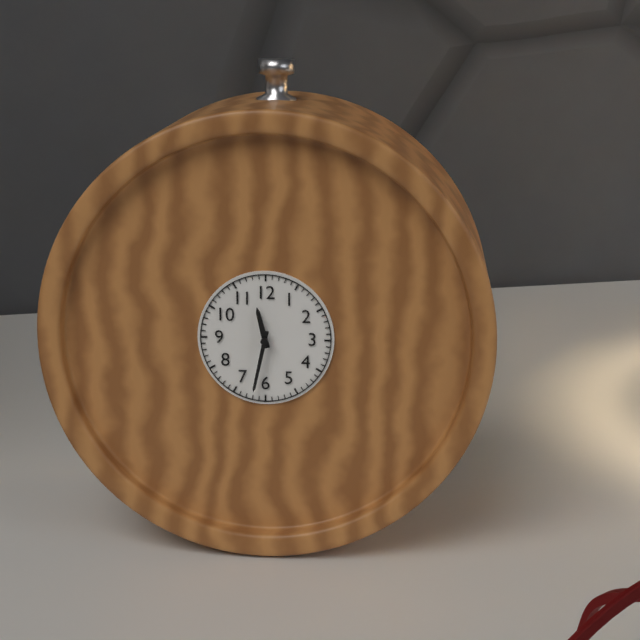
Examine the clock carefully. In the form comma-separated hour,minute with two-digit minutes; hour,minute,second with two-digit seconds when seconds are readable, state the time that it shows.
11,32
